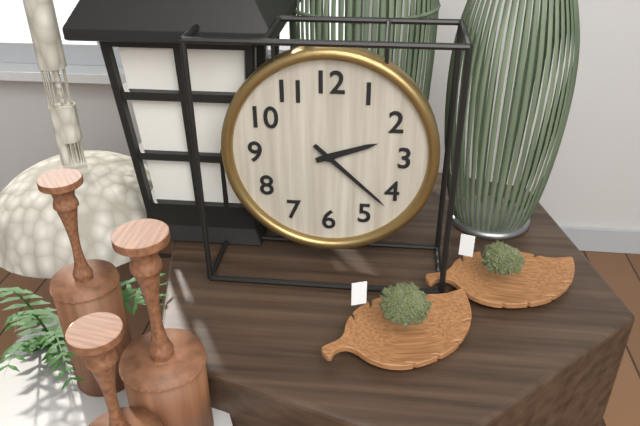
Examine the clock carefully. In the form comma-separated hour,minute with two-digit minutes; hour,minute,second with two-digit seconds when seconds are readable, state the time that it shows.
2,22
